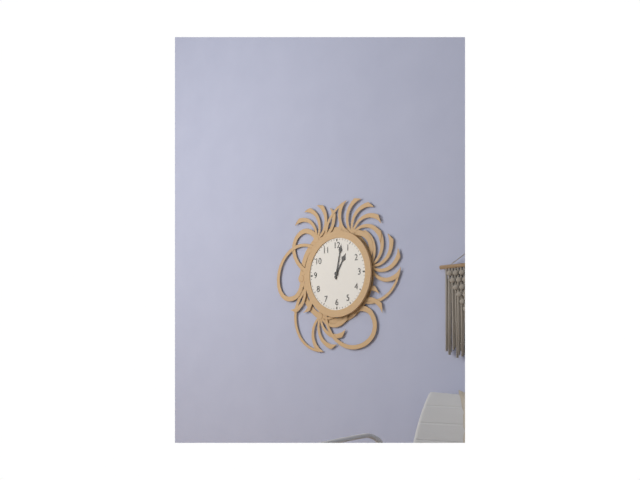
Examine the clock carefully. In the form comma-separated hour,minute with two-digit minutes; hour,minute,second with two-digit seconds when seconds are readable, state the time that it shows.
1,02
